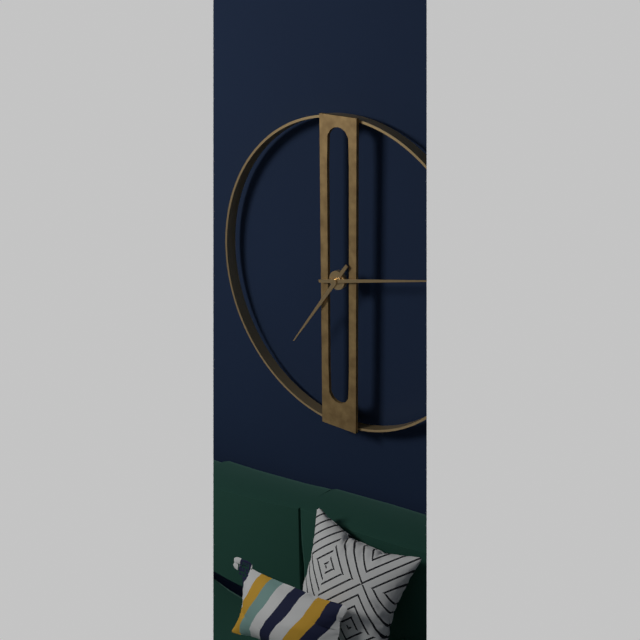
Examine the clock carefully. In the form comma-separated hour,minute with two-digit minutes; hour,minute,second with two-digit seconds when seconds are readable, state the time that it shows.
7,13
